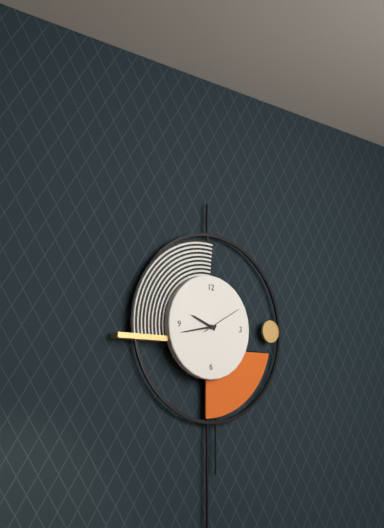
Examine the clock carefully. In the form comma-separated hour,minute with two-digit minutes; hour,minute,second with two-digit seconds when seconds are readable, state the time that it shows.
9,43
